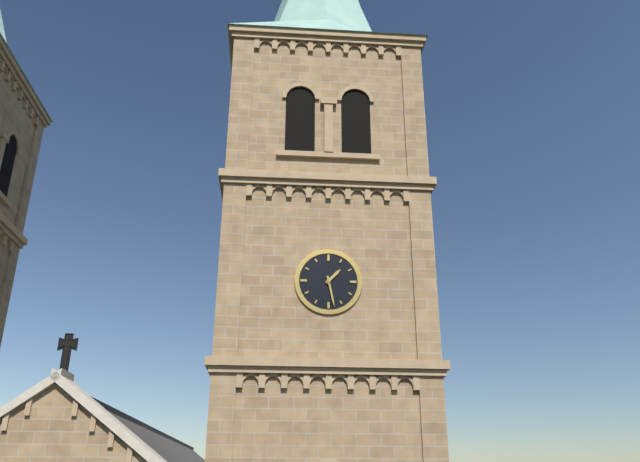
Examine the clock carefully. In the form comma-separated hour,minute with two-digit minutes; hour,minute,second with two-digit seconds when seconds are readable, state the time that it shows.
1,28
